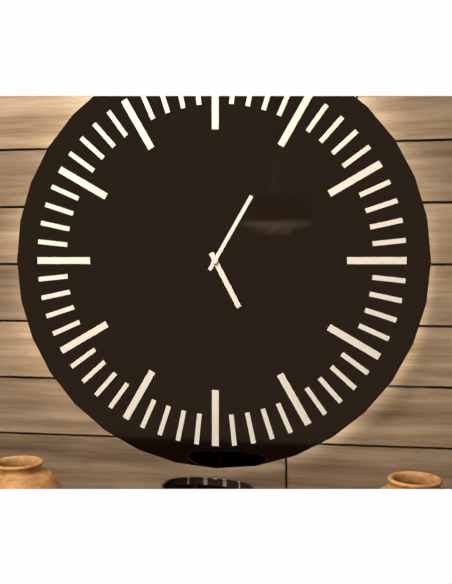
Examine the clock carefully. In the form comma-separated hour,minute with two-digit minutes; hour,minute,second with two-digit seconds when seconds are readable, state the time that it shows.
5,05
